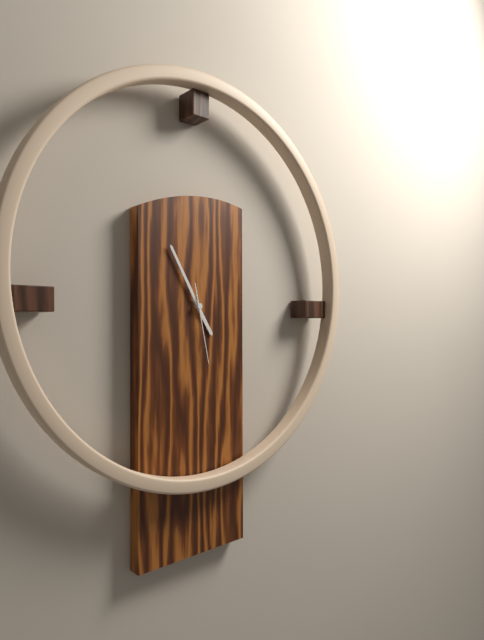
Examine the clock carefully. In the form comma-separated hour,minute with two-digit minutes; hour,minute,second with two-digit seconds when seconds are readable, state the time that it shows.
4,55,28
